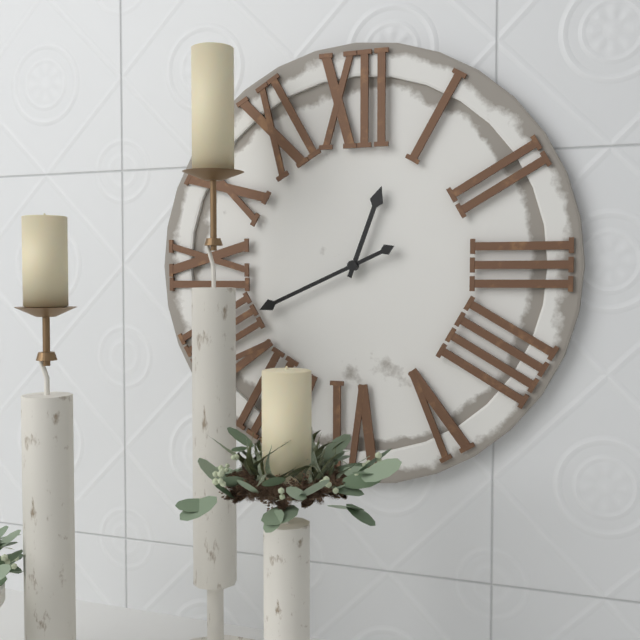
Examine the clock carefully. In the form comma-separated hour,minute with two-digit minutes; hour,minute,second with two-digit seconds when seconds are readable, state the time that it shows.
12,41
